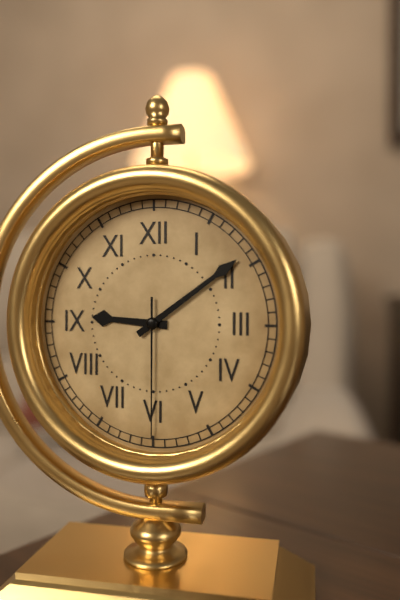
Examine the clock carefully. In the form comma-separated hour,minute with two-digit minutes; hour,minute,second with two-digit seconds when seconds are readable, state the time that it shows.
9,09,30
